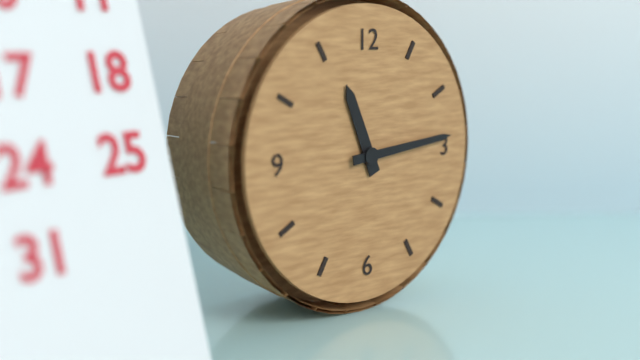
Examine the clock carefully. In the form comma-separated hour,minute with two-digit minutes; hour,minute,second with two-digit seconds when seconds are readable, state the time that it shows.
11,14
